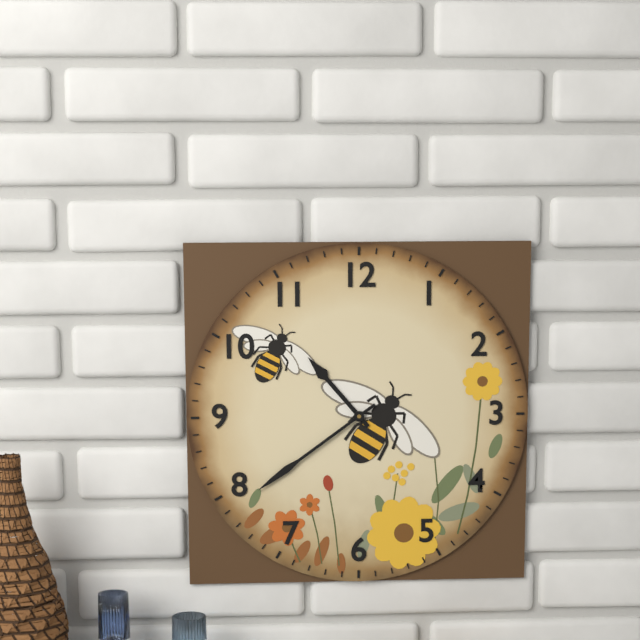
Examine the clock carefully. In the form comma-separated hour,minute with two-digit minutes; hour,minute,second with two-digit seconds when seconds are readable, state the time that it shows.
10,39
